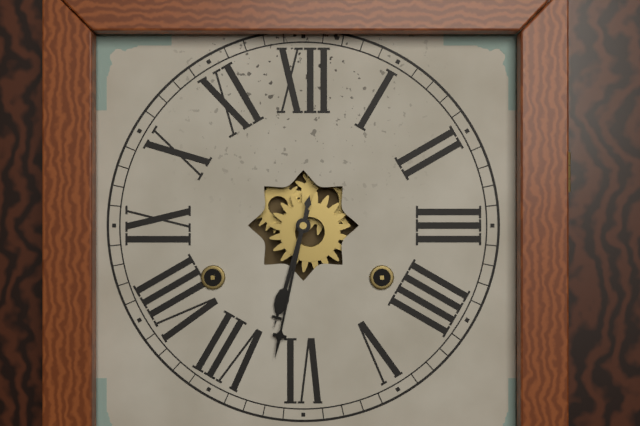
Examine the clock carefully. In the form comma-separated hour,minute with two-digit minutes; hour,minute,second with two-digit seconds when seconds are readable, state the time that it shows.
6,32
